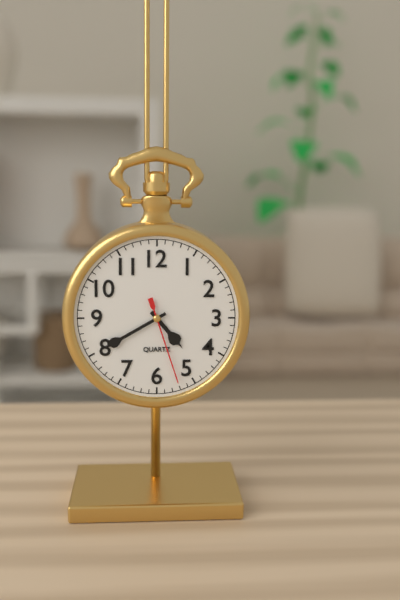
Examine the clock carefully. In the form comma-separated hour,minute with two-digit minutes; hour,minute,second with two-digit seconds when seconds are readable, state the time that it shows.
4,40,27
